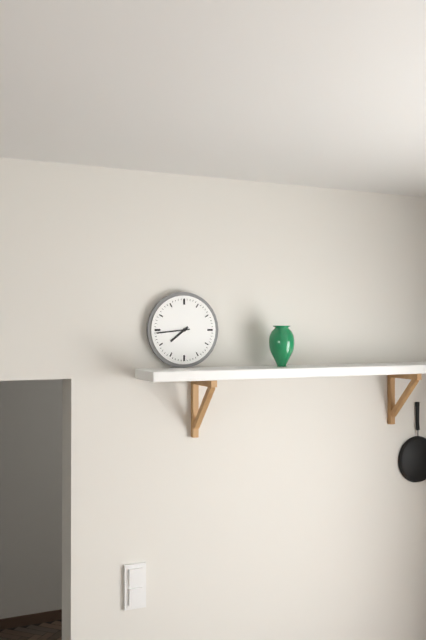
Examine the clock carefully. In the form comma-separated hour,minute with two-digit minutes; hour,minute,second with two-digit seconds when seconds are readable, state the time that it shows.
7,44
